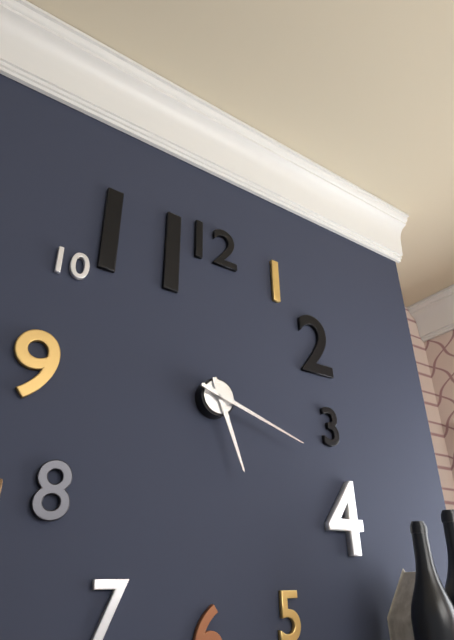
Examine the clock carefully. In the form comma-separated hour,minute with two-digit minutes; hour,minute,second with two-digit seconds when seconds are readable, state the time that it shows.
5,18
